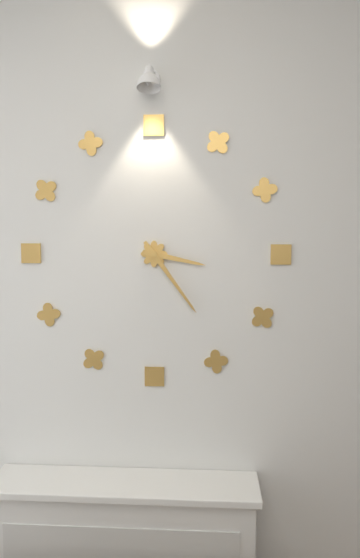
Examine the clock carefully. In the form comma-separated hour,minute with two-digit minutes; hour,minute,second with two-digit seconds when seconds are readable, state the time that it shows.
3,24
